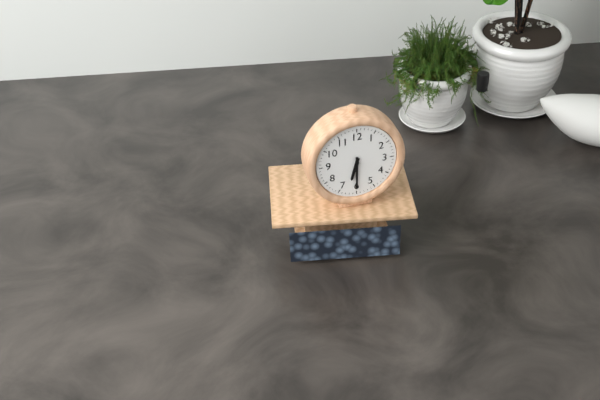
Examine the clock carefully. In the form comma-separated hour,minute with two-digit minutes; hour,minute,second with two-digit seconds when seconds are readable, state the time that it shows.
6,30
